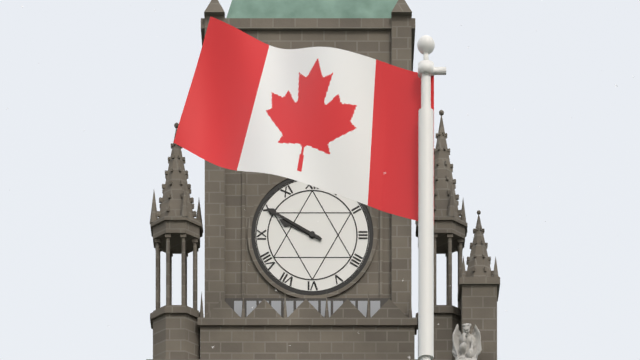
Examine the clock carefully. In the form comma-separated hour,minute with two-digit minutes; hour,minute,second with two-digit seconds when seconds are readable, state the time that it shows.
9,50
